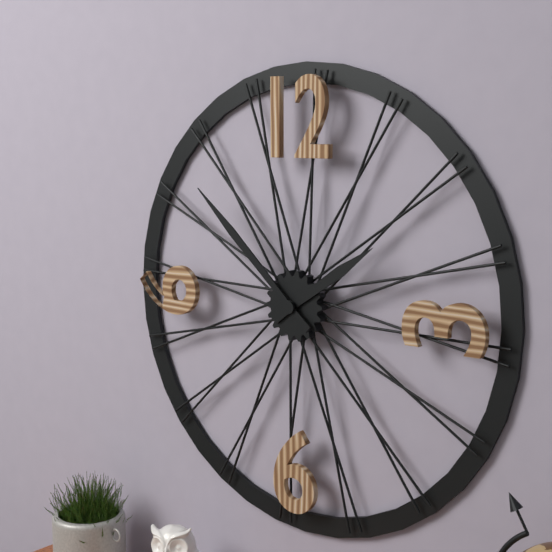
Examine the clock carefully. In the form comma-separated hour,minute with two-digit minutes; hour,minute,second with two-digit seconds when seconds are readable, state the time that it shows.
1,52
